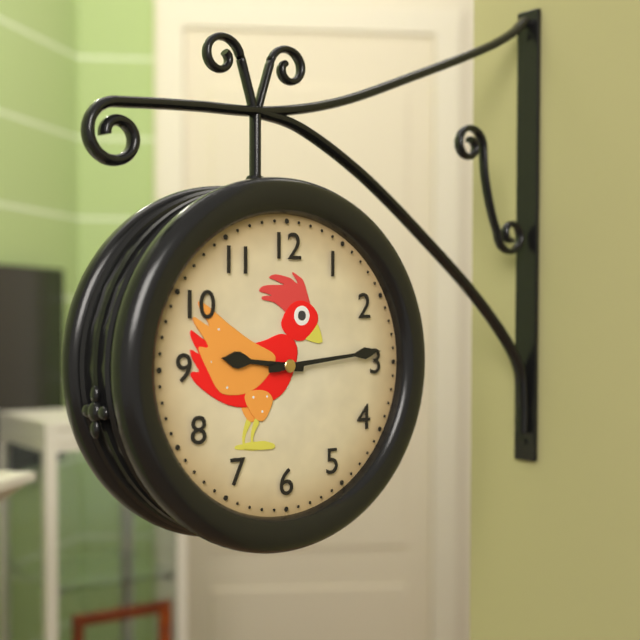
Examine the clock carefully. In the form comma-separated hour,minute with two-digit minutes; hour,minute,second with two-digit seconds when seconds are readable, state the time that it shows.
9,14
